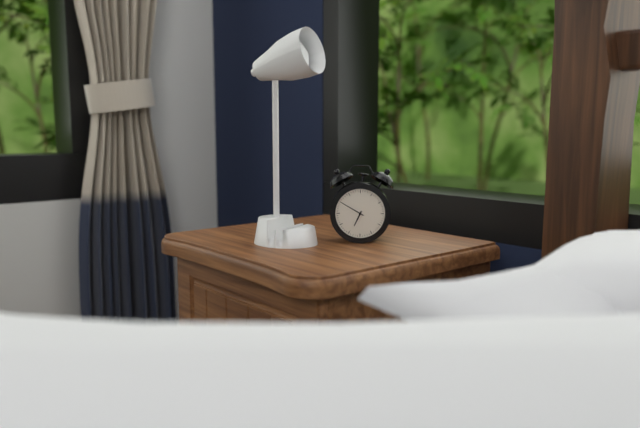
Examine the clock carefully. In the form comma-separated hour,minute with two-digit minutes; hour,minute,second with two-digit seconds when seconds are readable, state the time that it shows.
6,50
